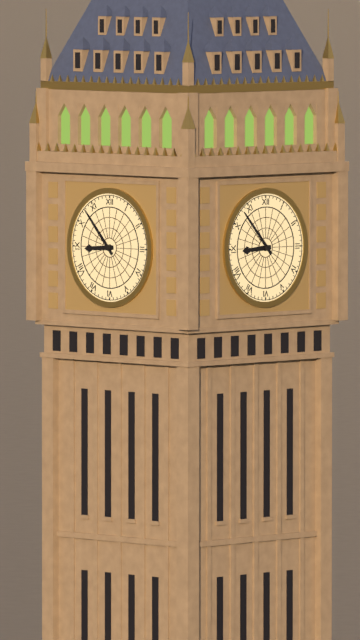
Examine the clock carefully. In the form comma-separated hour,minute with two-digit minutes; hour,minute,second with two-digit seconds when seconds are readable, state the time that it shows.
8,53
